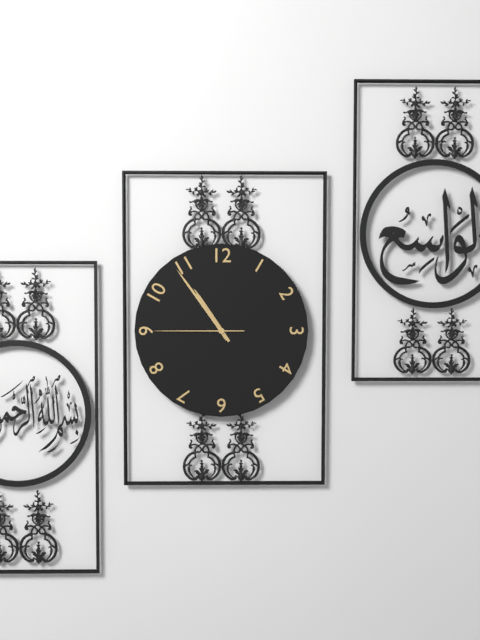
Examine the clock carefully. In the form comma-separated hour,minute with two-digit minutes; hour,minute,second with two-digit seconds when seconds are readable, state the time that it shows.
10,54,45
